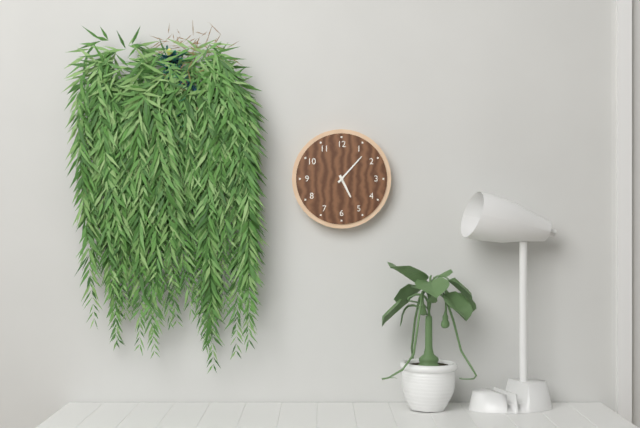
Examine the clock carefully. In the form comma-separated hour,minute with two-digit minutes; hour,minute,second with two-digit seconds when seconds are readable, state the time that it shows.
5,07
